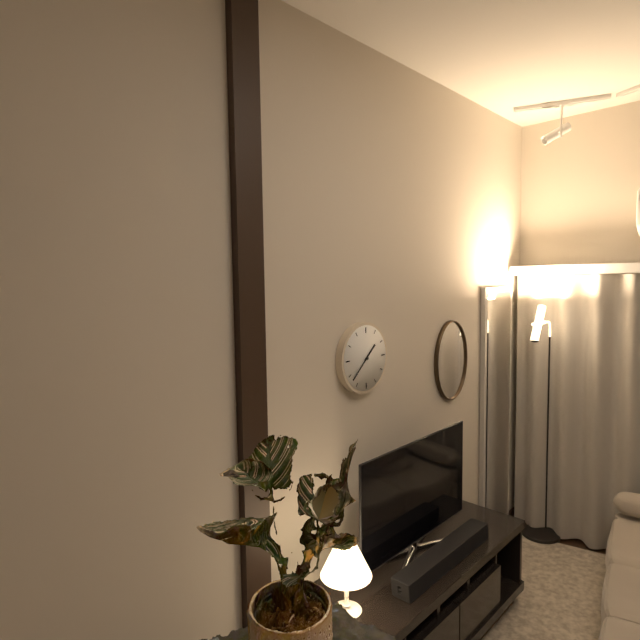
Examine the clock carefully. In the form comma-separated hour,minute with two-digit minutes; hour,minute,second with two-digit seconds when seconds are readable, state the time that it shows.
1,38
